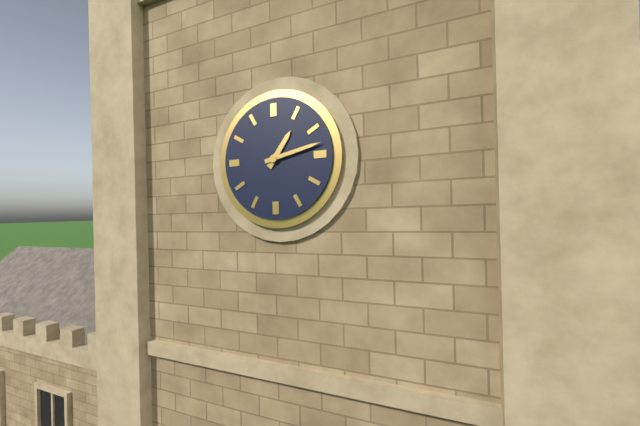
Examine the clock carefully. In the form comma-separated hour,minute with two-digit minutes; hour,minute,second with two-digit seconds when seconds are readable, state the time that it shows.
1,13
